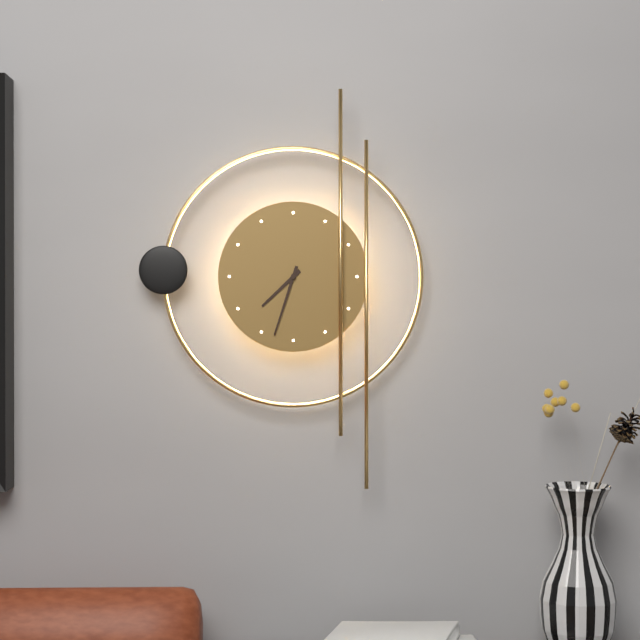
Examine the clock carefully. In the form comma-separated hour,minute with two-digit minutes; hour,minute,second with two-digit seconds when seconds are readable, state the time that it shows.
7,33
